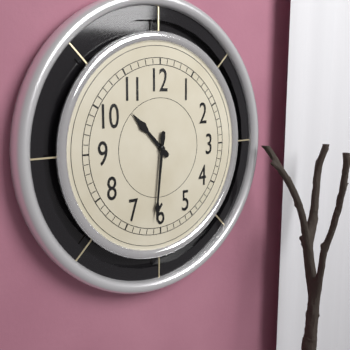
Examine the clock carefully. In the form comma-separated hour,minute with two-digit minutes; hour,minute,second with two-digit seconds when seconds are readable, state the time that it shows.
10,31
